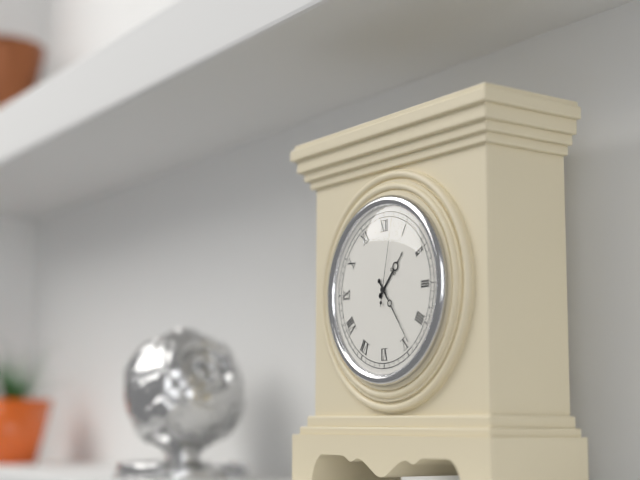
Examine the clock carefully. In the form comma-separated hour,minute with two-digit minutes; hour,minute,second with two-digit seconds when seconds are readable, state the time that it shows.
1,24,02
